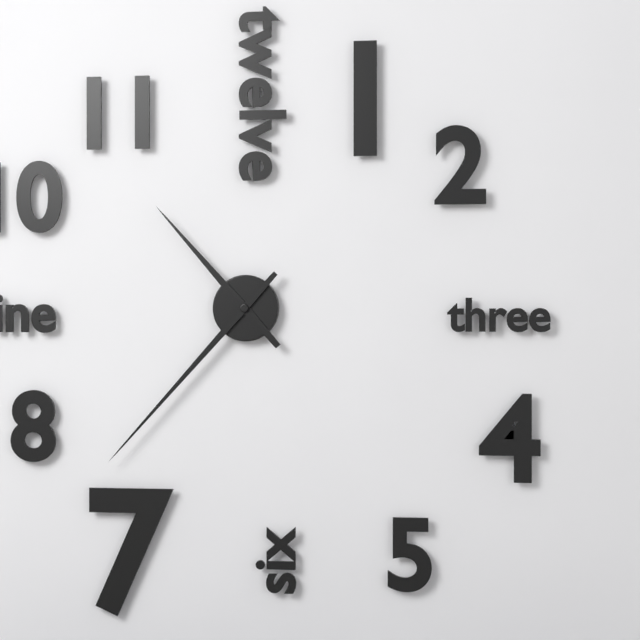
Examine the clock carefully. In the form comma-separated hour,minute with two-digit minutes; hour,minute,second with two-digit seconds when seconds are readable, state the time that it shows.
10,37
